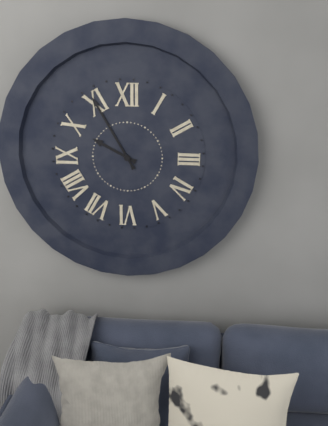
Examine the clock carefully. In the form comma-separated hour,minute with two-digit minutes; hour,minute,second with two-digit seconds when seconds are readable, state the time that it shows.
9,55
